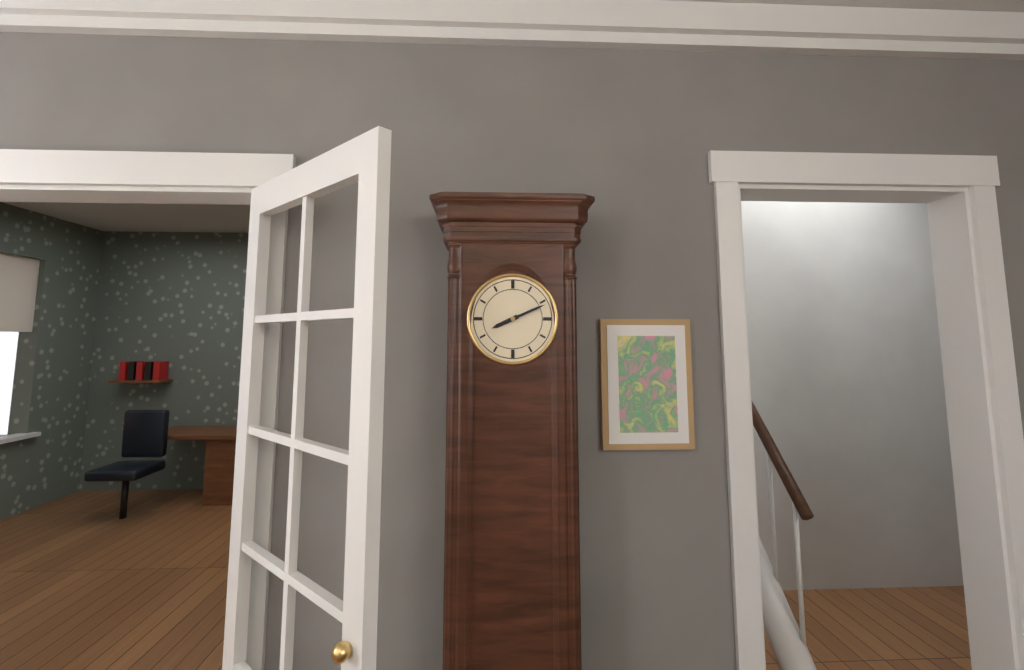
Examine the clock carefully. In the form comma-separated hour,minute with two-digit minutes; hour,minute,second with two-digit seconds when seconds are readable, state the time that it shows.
8,11
